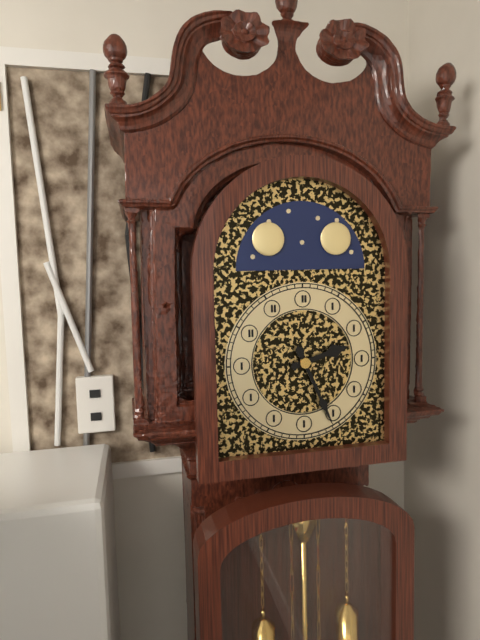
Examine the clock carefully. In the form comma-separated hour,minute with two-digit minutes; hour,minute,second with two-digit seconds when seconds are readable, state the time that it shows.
2,26
